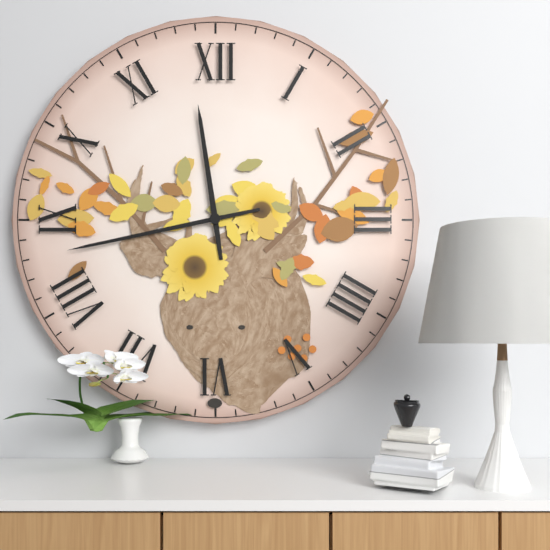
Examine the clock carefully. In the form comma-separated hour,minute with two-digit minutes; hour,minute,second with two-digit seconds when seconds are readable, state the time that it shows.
11,43
